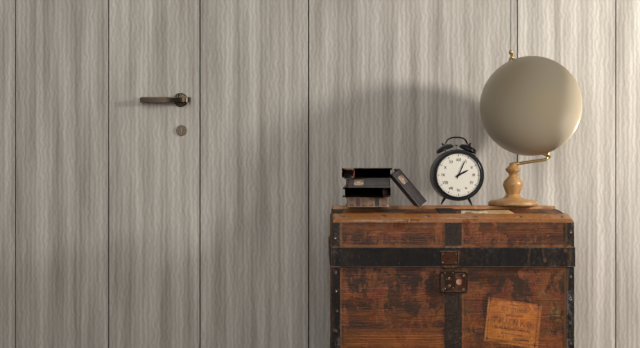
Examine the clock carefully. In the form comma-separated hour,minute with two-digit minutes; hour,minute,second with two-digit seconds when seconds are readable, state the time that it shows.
2,04
